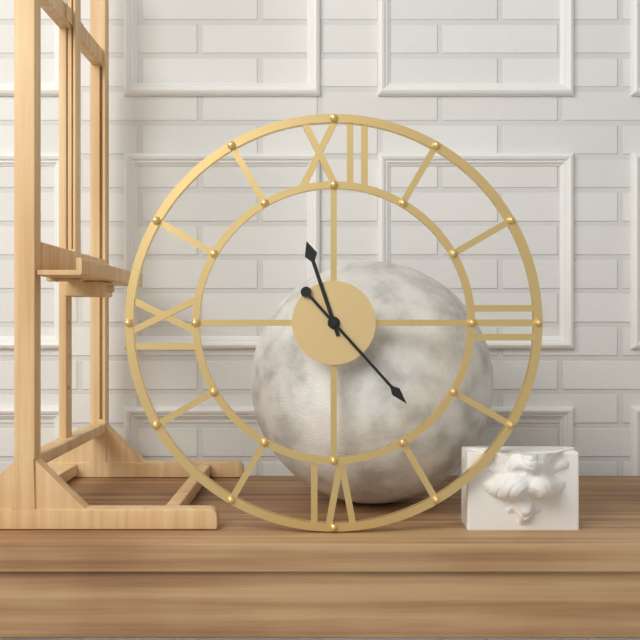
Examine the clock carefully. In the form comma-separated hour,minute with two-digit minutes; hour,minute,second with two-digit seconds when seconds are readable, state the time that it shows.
11,23
